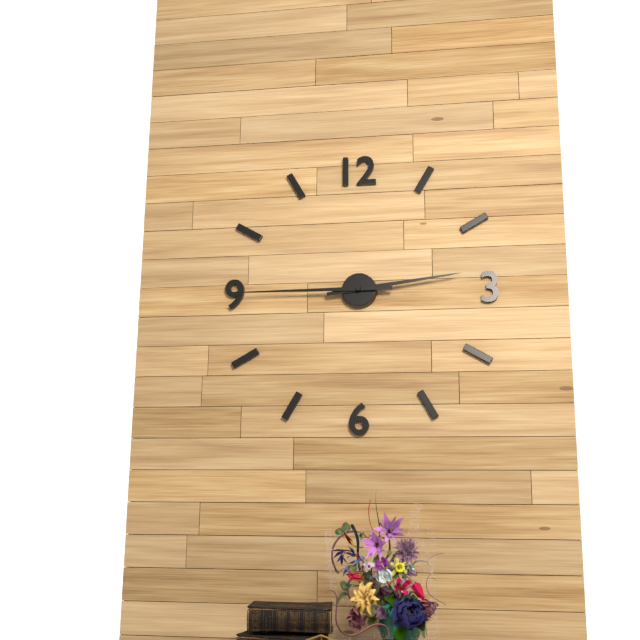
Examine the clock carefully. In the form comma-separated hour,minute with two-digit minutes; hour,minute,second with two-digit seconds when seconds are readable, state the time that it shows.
2,45
